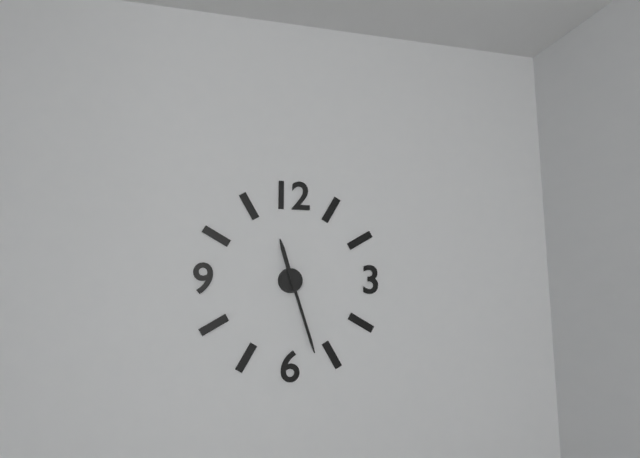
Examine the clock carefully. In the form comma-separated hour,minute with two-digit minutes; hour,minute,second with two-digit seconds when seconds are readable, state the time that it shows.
11,27
